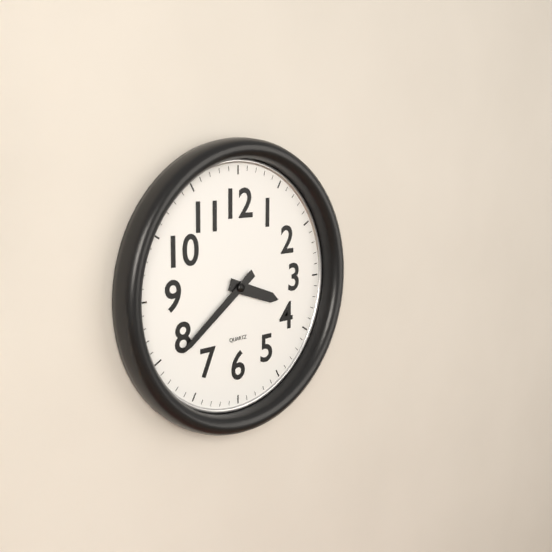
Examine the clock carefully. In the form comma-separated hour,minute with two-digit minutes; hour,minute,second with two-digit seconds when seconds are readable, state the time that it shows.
3,39
